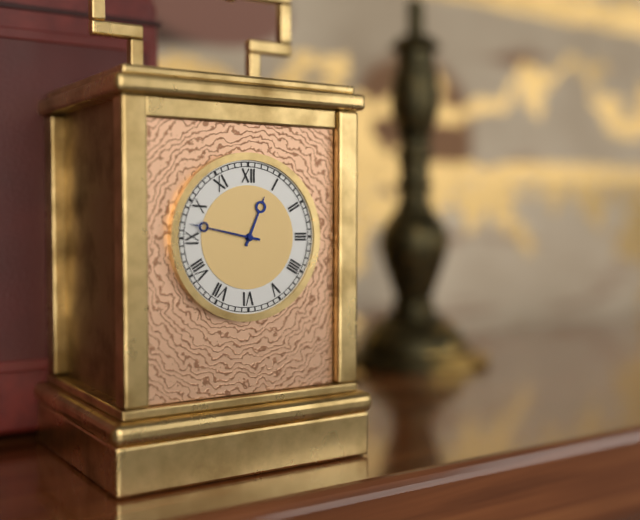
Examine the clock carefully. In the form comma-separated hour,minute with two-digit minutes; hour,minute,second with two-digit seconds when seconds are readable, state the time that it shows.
12,47
